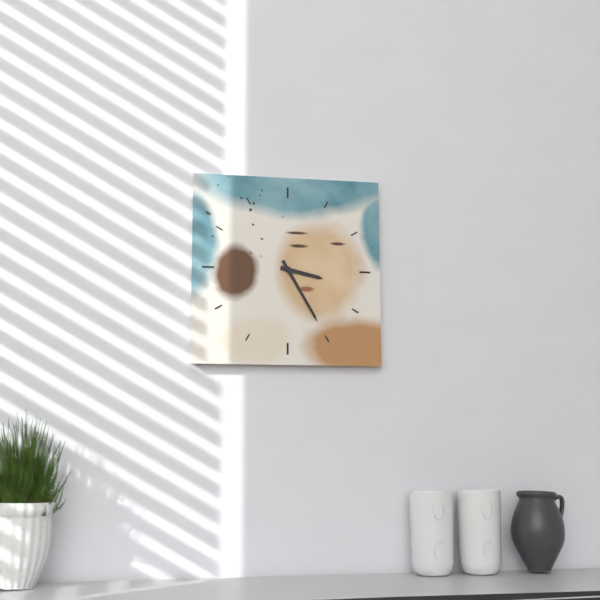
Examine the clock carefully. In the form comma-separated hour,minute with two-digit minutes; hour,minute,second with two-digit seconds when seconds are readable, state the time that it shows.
3,25
